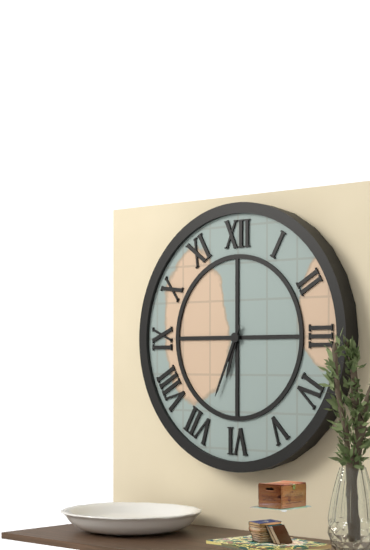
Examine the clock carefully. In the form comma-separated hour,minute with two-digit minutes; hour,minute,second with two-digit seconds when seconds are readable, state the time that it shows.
6,34
